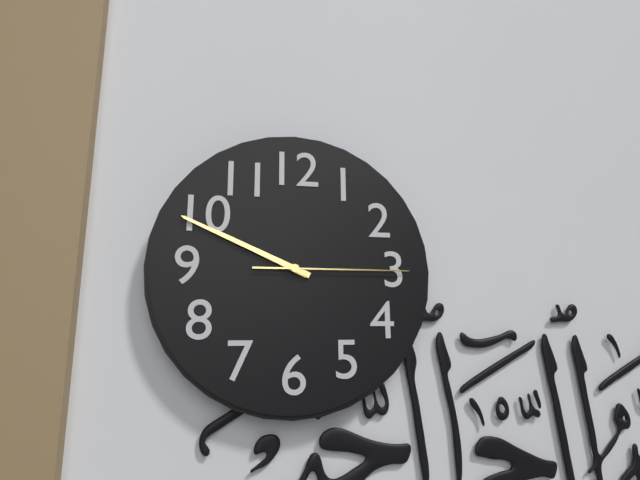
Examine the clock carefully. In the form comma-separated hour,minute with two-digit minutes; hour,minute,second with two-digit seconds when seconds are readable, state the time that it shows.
9,49,15
